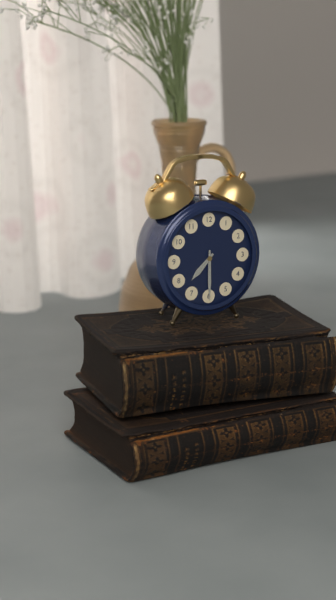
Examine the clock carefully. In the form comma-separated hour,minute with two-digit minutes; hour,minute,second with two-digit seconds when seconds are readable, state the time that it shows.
7,30
